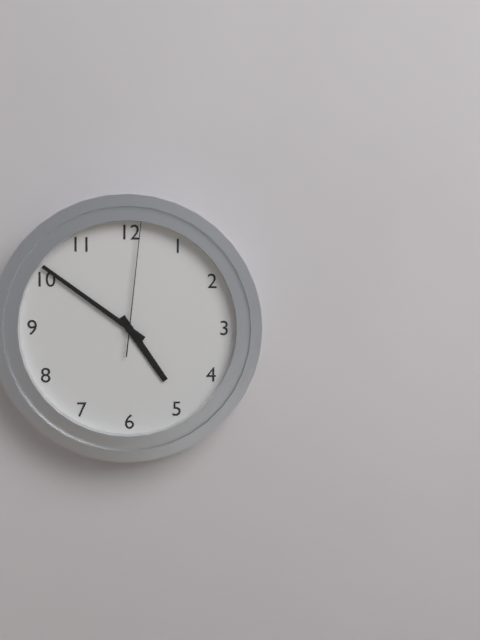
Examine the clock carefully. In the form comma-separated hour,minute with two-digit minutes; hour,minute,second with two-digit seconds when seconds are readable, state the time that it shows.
4,51,01
